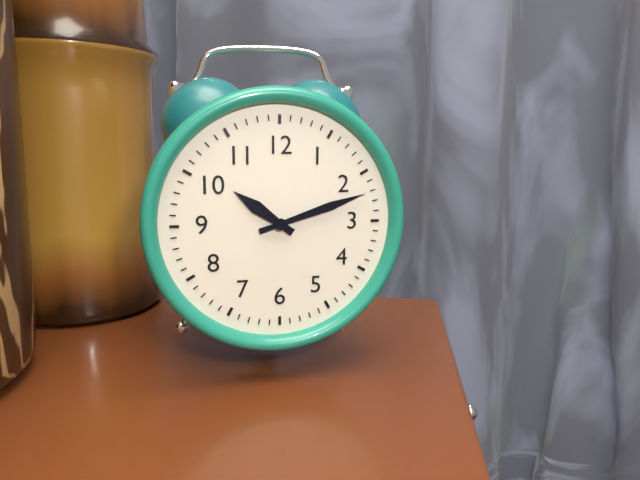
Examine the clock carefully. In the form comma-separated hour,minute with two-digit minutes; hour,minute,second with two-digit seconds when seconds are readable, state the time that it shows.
10,12
